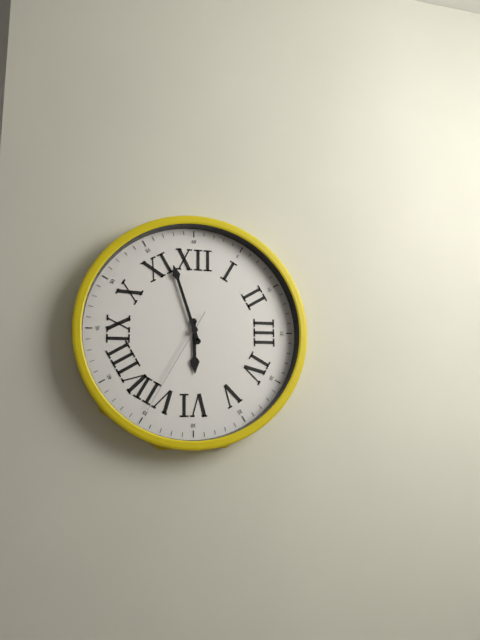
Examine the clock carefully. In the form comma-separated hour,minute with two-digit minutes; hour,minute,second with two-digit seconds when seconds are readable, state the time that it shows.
5,57,35
